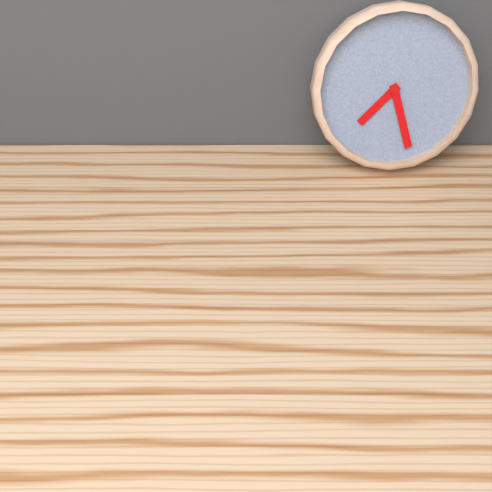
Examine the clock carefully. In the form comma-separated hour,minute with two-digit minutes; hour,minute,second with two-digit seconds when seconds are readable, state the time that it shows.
7,27
